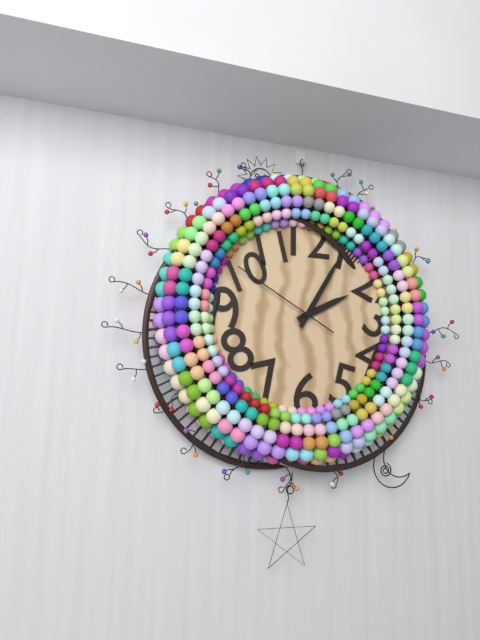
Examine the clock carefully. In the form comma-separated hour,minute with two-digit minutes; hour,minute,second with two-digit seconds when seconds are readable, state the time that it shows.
2,05,50
